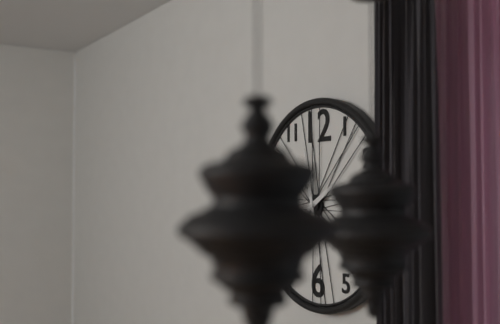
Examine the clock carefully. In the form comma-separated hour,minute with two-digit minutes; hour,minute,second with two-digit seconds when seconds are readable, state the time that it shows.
1,58
